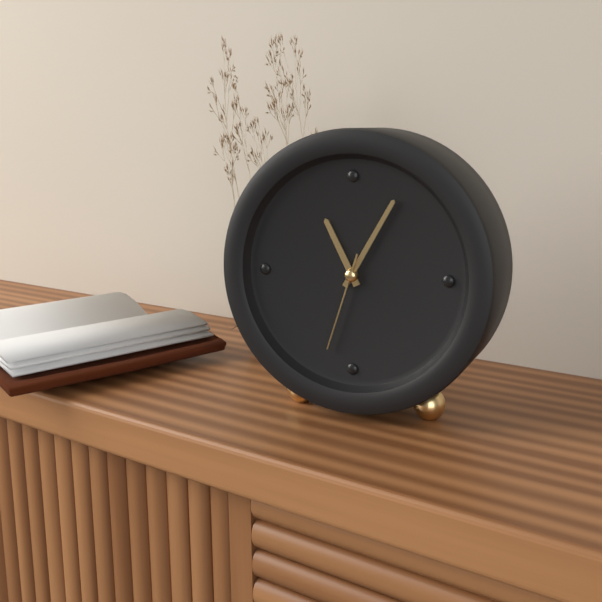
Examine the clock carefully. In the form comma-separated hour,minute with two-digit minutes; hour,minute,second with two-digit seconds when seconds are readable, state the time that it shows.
11,05,33
